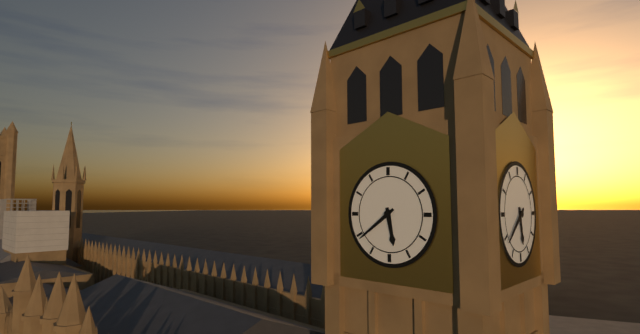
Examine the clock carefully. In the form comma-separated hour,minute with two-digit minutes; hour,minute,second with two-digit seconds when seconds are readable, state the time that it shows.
5,39
